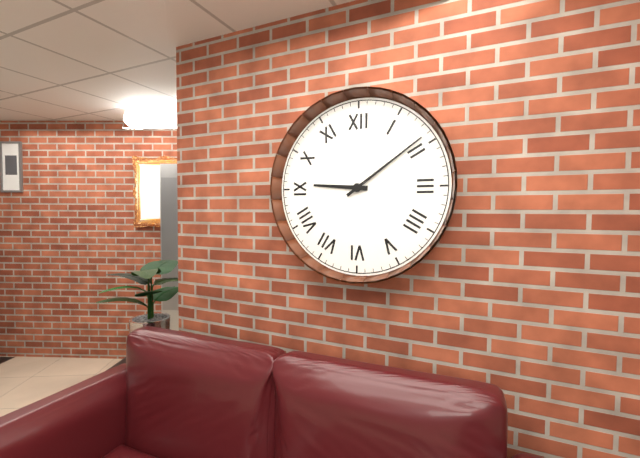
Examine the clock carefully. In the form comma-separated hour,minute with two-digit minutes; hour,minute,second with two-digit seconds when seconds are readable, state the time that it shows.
9,09
